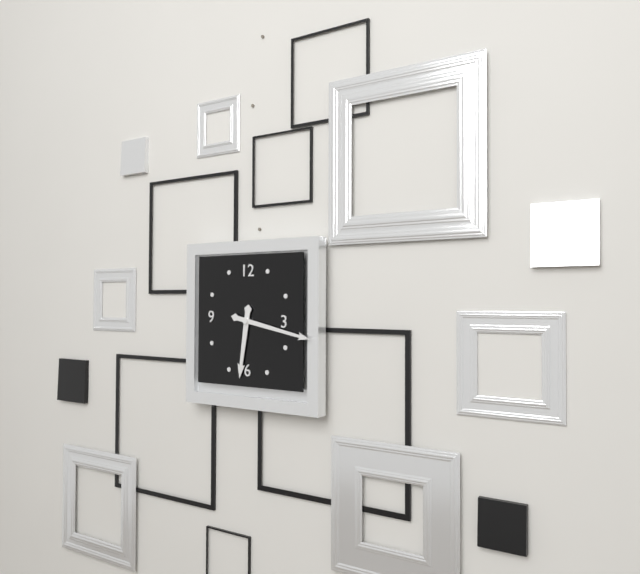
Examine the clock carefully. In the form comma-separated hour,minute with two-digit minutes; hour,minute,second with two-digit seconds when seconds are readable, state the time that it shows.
6,17
